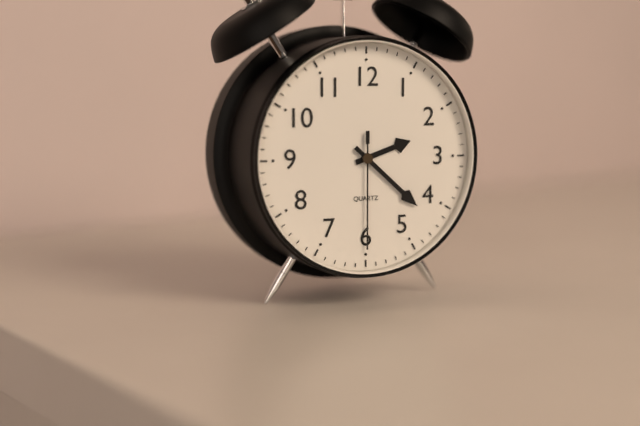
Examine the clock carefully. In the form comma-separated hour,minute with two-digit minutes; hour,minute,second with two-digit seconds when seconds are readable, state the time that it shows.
2,22,30
